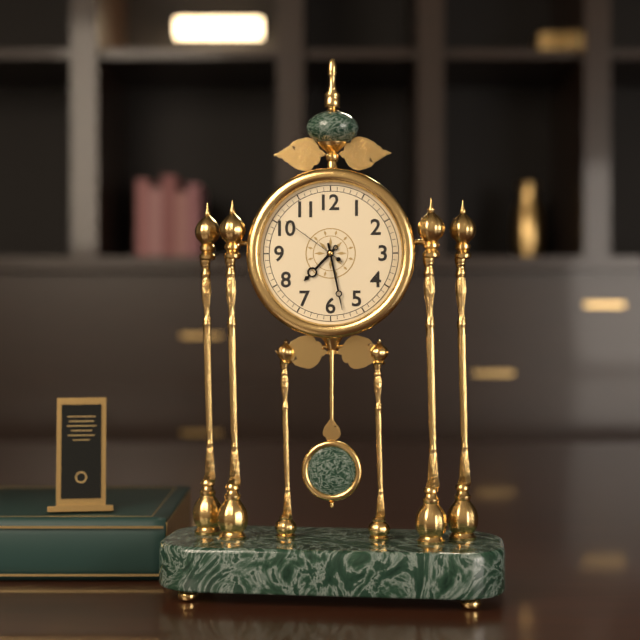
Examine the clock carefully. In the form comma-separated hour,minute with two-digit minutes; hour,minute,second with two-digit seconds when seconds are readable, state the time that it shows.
7,28,51
